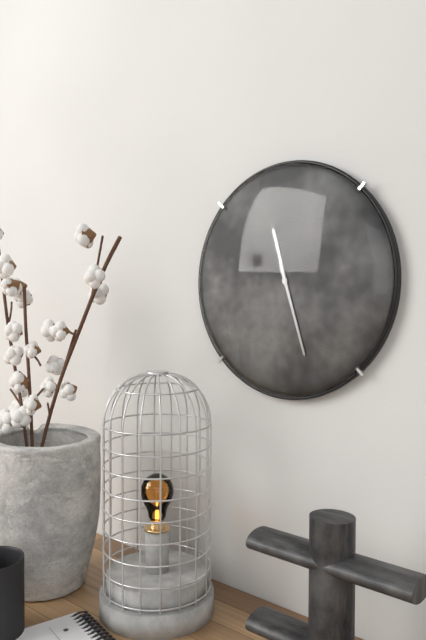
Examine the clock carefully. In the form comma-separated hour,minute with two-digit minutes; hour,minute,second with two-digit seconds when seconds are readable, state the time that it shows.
11,27
